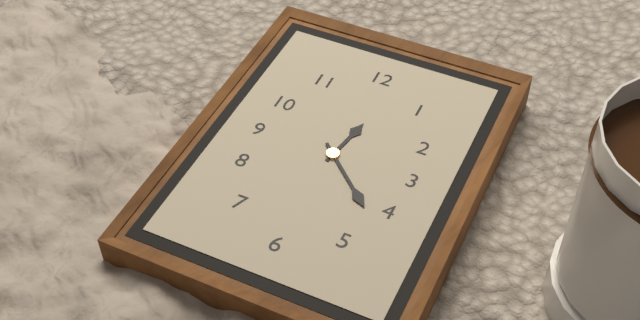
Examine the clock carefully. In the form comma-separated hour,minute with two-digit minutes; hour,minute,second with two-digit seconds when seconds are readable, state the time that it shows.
12,22
